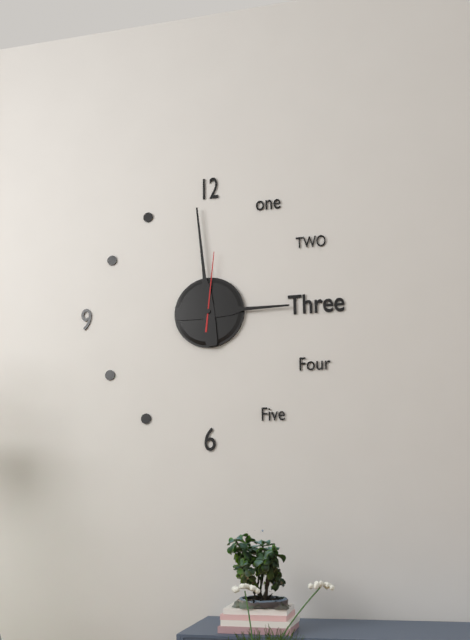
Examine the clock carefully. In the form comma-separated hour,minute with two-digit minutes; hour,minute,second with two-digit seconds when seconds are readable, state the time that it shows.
2,59,01
